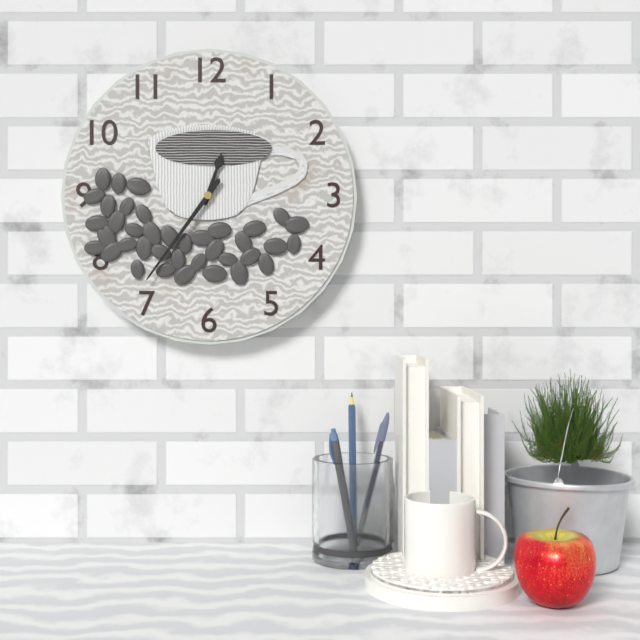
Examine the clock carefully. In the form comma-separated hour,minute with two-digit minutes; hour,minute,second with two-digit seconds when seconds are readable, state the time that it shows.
12,36
